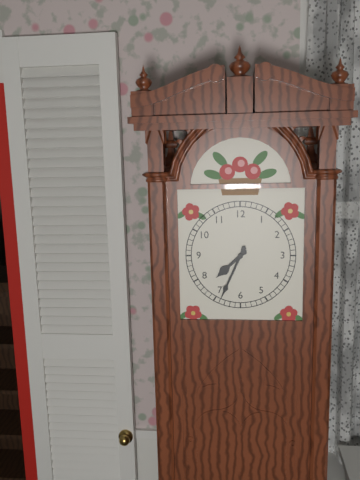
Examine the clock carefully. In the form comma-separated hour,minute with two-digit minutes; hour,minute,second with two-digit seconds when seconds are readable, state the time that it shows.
7,34
